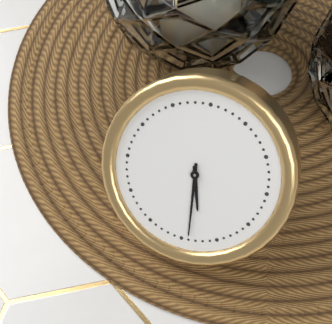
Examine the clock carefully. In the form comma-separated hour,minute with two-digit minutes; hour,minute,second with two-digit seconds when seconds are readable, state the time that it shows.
5,29
